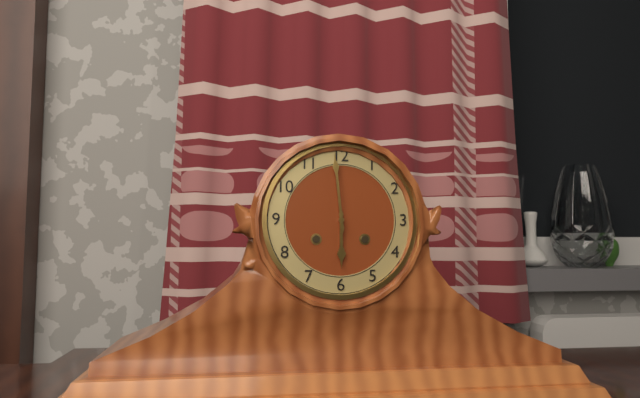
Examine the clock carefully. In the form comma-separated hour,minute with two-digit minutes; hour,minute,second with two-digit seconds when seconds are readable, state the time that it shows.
5,59
